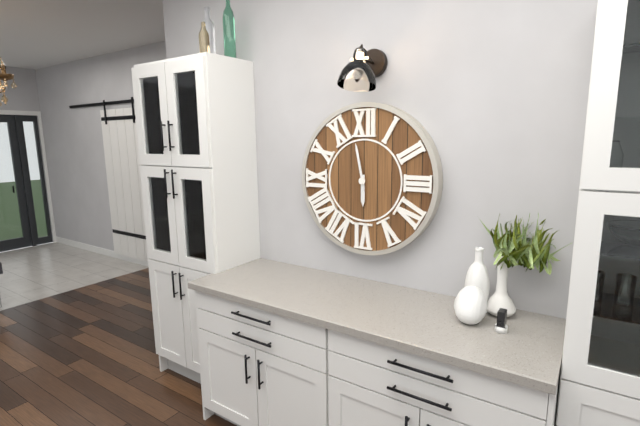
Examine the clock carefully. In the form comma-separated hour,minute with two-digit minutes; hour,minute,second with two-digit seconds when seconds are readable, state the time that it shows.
5,58
